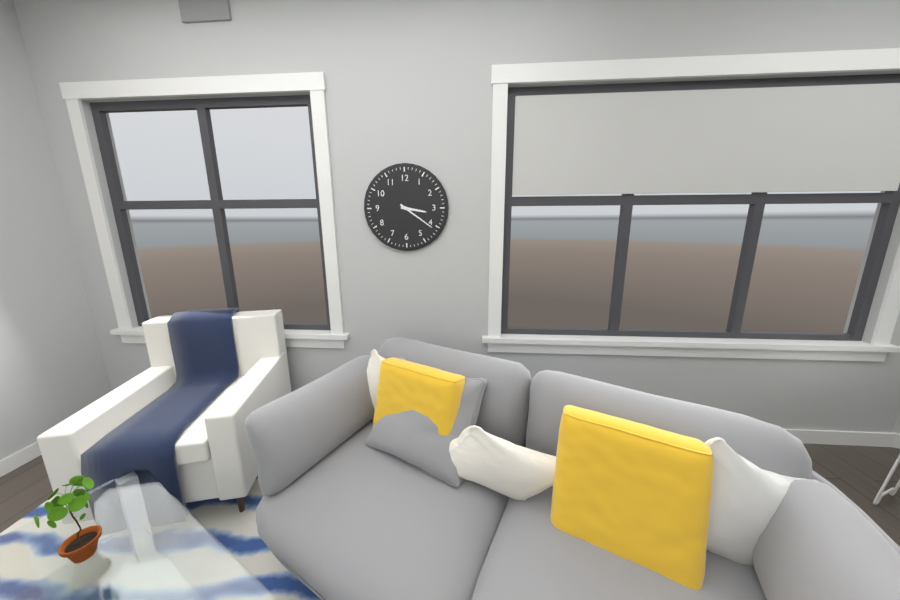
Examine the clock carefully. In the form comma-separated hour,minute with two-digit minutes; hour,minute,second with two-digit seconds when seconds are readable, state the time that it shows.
3,21
